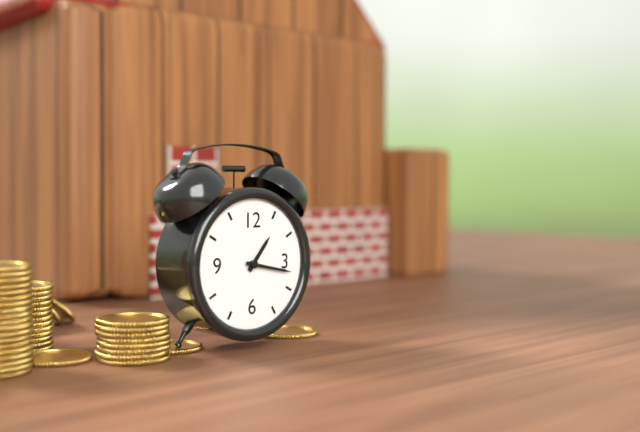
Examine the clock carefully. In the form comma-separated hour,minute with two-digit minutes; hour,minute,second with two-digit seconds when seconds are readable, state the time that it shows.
1,17
